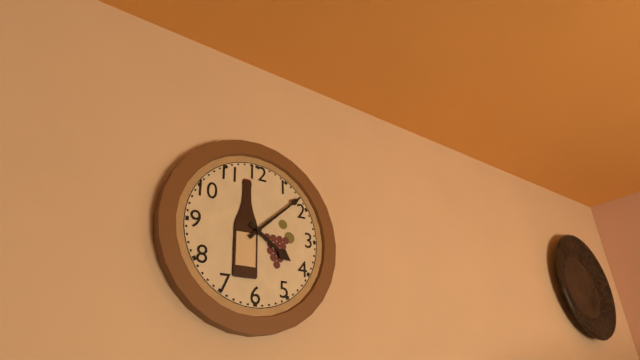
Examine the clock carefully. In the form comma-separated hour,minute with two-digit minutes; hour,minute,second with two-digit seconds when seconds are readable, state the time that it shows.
4,08
